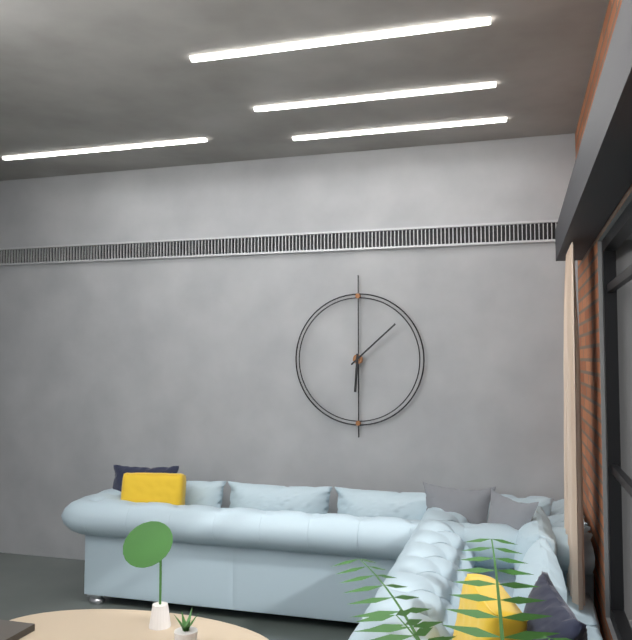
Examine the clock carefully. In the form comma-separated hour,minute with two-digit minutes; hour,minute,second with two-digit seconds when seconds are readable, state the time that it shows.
6,08
